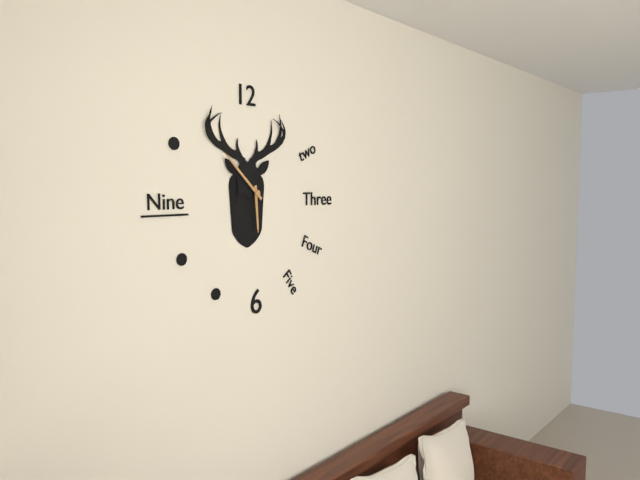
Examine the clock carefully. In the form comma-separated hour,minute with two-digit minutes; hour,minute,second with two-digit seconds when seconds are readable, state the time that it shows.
5,52
